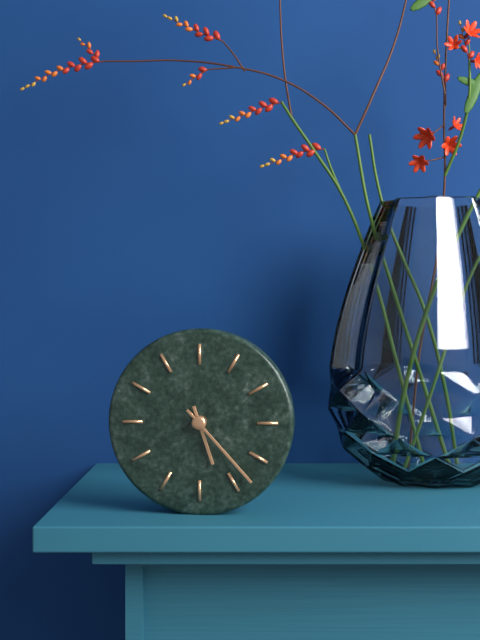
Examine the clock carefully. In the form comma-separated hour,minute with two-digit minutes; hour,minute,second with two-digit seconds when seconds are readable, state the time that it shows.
5,23
